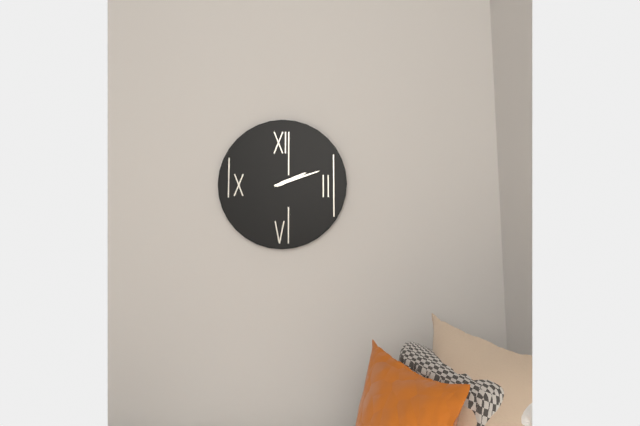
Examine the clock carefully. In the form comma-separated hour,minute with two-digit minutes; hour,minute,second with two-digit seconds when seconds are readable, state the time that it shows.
2,12
